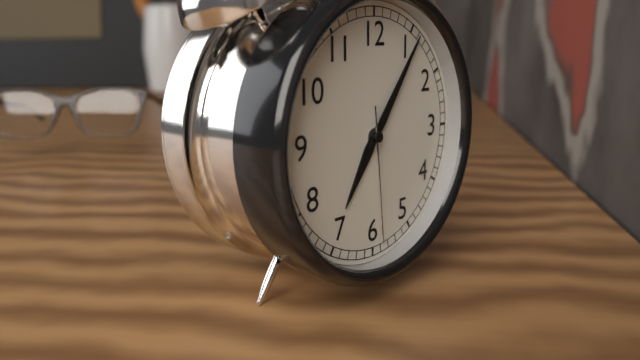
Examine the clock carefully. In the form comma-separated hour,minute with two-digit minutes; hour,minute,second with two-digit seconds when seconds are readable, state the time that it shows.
7,06,29
